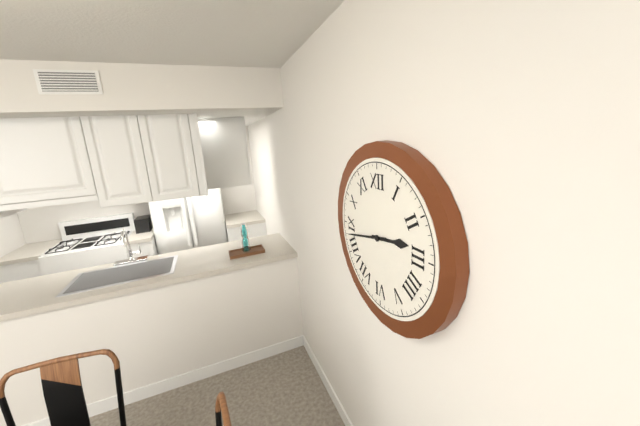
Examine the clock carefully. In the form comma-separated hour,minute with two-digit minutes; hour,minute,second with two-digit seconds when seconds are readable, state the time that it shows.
2,43
